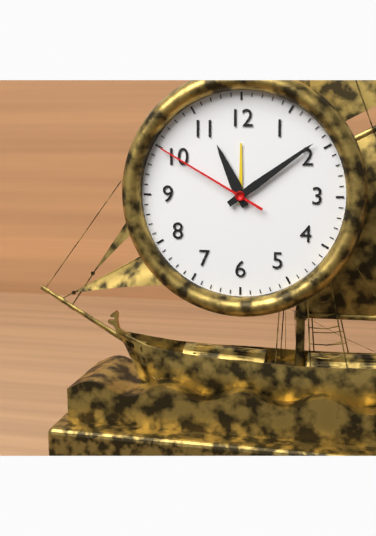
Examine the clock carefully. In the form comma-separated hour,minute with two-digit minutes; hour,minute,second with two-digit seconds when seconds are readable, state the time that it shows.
11,09,50
